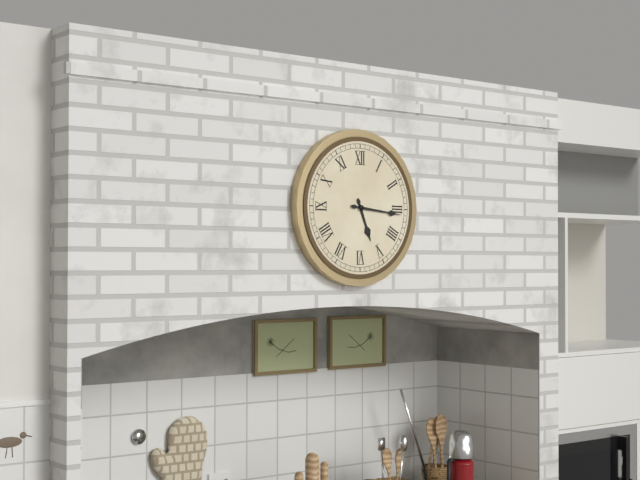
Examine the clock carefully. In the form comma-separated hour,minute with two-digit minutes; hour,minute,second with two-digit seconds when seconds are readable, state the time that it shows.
5,16
